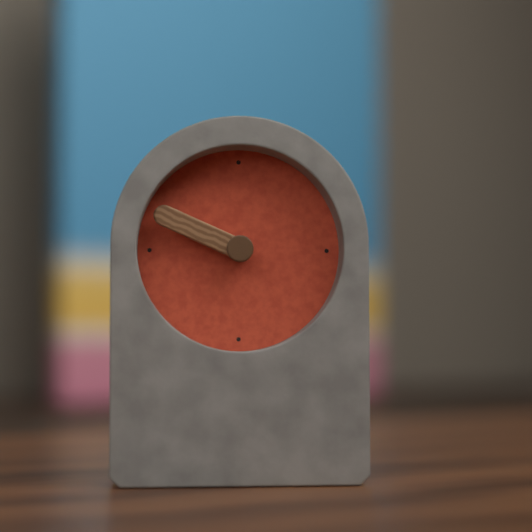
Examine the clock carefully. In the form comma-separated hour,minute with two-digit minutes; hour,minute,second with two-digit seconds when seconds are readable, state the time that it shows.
9,49
